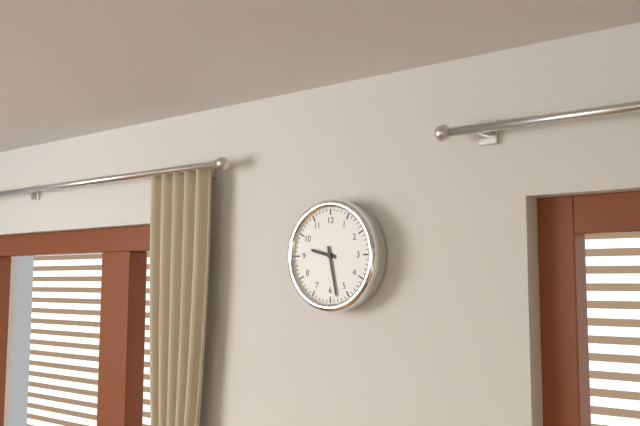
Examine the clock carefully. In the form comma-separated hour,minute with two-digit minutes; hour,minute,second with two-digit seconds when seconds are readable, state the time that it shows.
9,28
